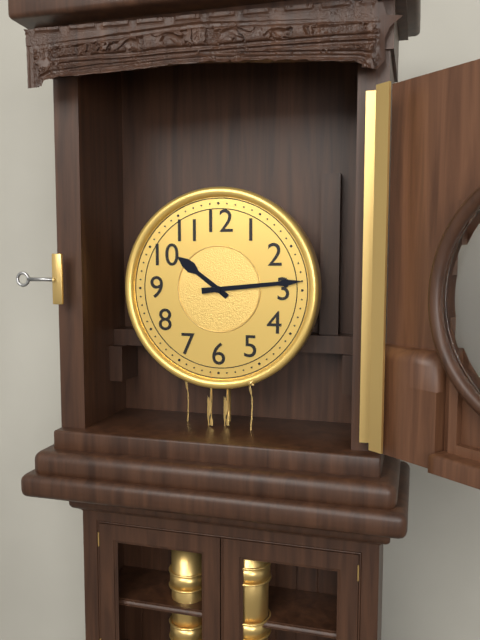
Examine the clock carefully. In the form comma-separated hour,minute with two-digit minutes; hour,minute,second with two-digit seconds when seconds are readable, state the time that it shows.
10,14
